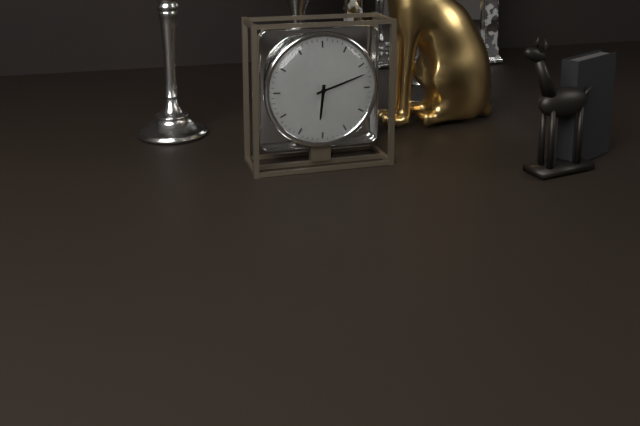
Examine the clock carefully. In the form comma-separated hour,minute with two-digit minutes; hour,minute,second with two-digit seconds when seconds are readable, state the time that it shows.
6,12
